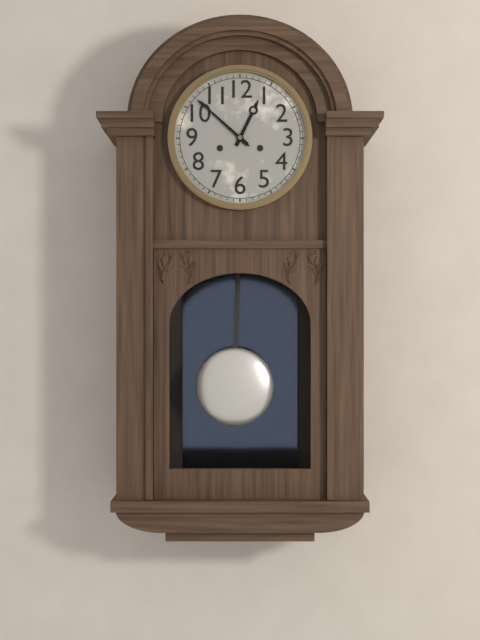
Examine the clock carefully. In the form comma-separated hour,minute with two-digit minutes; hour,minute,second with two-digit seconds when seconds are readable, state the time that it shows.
12,52
